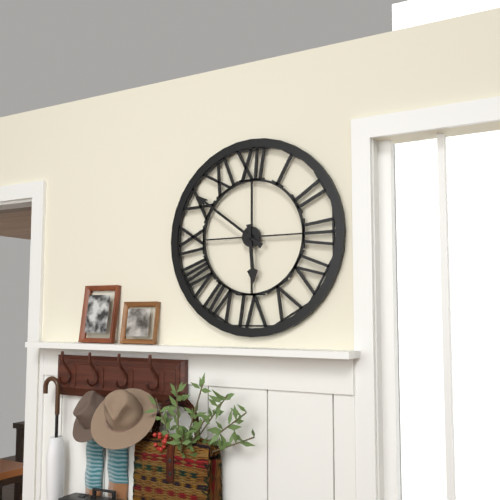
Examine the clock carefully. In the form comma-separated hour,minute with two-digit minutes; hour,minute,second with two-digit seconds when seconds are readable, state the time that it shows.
5,51
